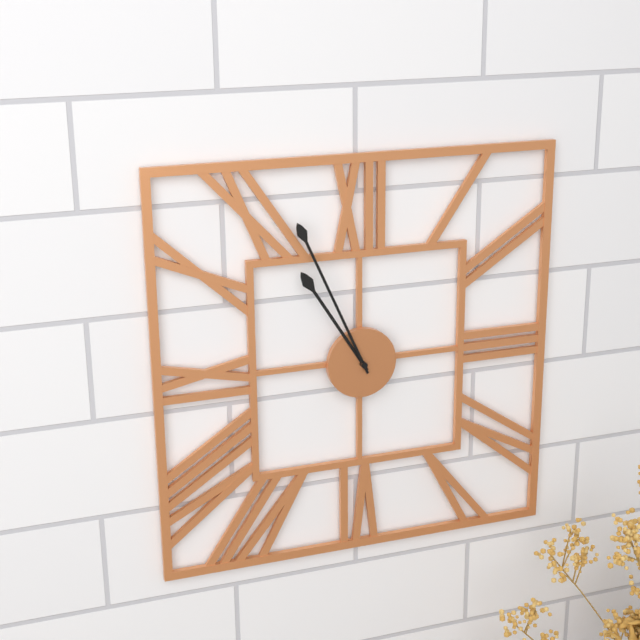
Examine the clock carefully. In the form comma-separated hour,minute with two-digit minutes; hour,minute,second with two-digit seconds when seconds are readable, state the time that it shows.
10,56
